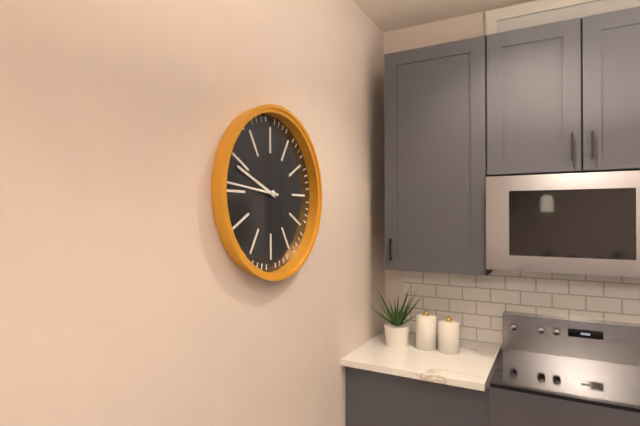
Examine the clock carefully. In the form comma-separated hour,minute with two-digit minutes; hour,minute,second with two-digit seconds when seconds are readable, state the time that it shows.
9,46
